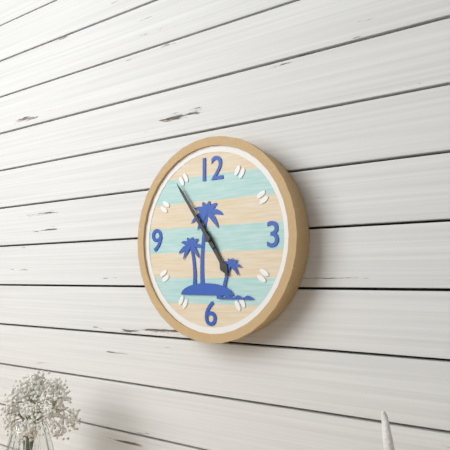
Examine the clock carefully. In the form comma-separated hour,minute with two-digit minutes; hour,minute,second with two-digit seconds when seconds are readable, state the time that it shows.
4,54
